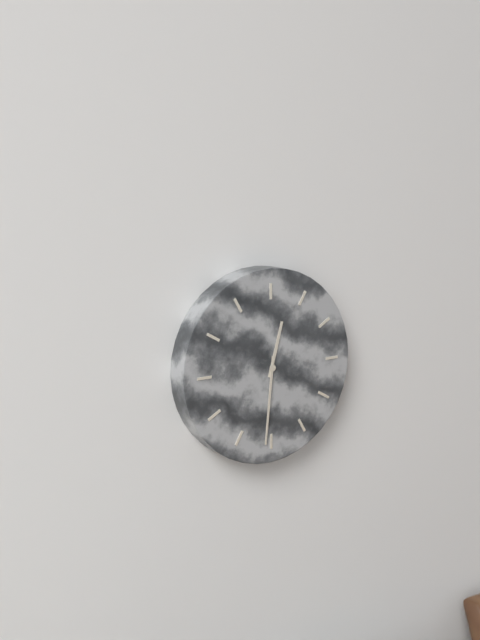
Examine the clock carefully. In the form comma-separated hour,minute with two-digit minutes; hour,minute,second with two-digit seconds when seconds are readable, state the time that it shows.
12,31
